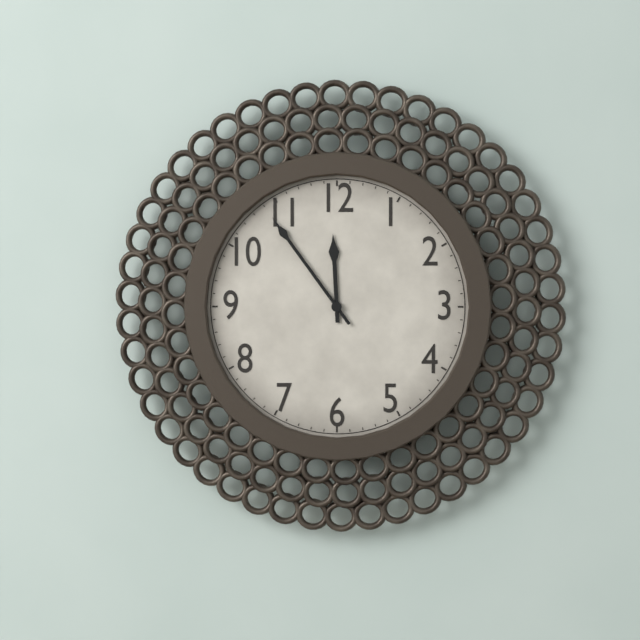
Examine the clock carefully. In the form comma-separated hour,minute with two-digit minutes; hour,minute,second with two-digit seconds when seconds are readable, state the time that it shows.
11,54
